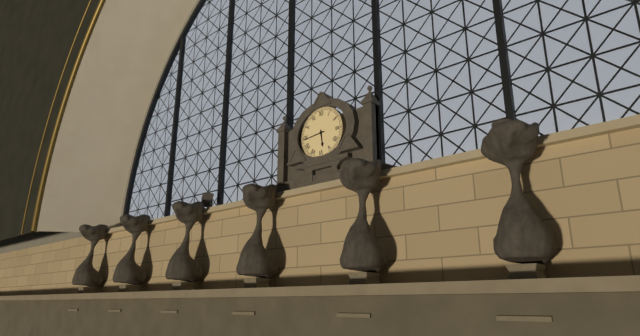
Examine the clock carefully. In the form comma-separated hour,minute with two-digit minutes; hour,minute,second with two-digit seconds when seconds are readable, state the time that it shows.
5,44
